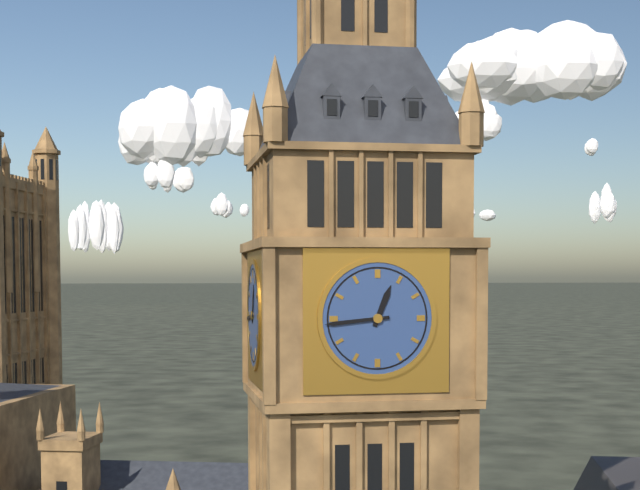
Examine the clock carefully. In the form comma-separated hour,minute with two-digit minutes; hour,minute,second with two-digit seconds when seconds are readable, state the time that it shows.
12,44
